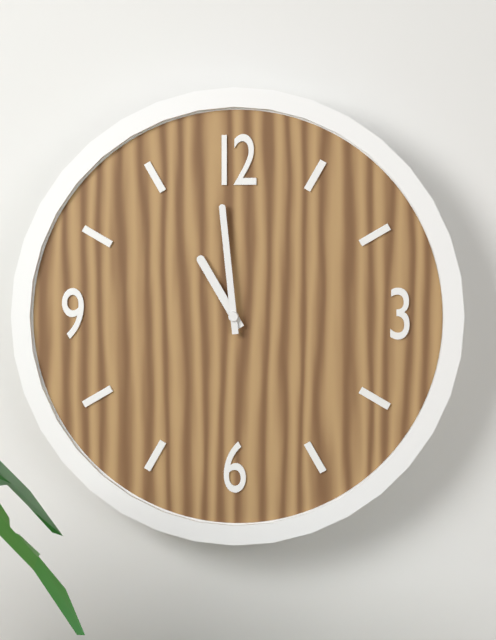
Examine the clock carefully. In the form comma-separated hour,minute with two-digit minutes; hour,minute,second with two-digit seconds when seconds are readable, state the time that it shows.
10,59
